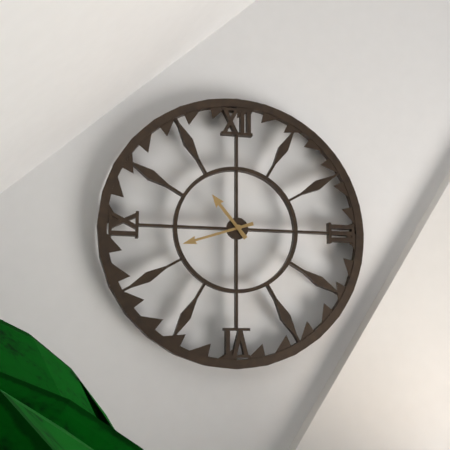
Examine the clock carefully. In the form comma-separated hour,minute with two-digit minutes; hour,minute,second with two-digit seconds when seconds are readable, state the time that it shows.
10,42
